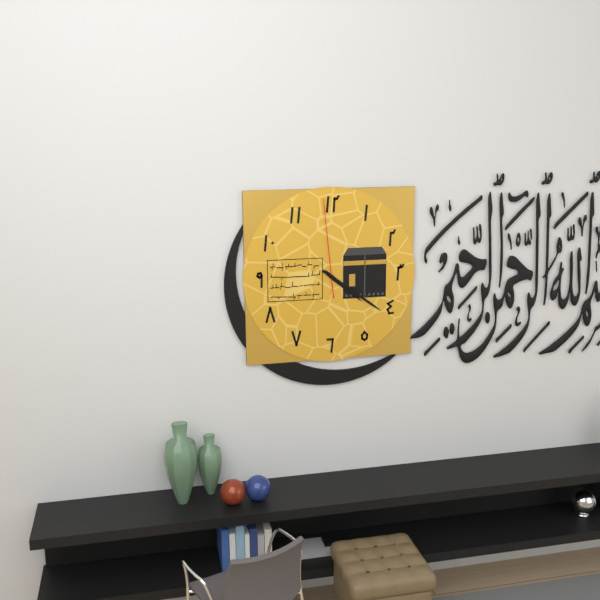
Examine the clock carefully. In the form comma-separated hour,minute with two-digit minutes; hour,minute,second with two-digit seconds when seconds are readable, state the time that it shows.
4,21,59
